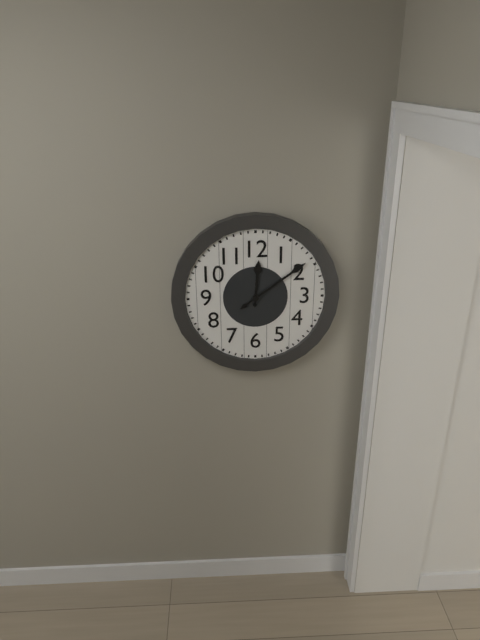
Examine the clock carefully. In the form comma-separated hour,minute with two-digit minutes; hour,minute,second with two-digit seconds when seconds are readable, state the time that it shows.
12,09
